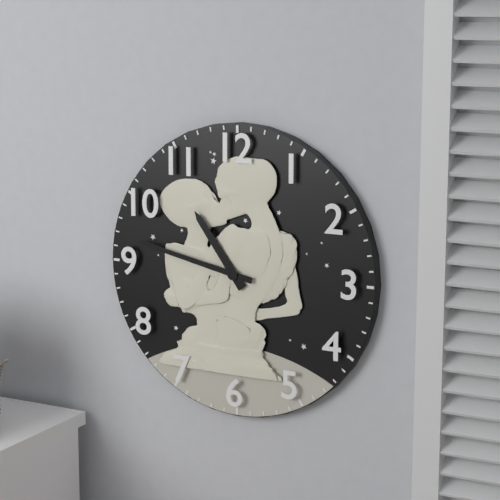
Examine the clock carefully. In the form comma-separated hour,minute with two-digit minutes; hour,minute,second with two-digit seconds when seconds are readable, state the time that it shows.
10,47
